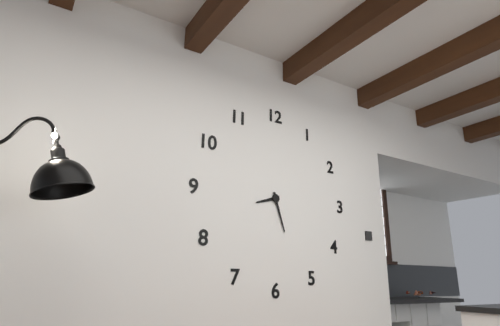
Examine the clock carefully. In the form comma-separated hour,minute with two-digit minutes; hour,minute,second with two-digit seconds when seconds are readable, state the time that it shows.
8,27
